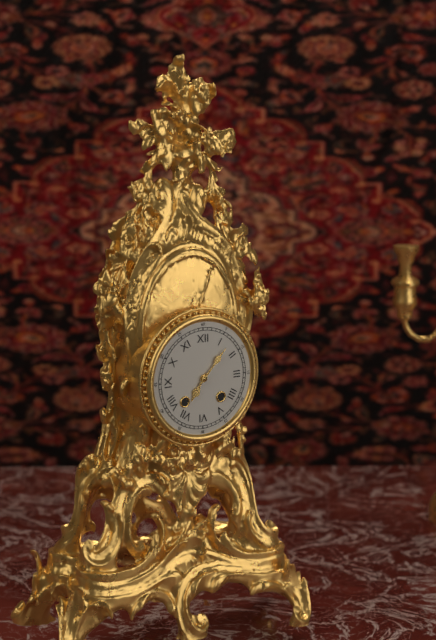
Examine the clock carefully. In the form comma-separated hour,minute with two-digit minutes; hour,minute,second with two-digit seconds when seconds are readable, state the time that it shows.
7,07
